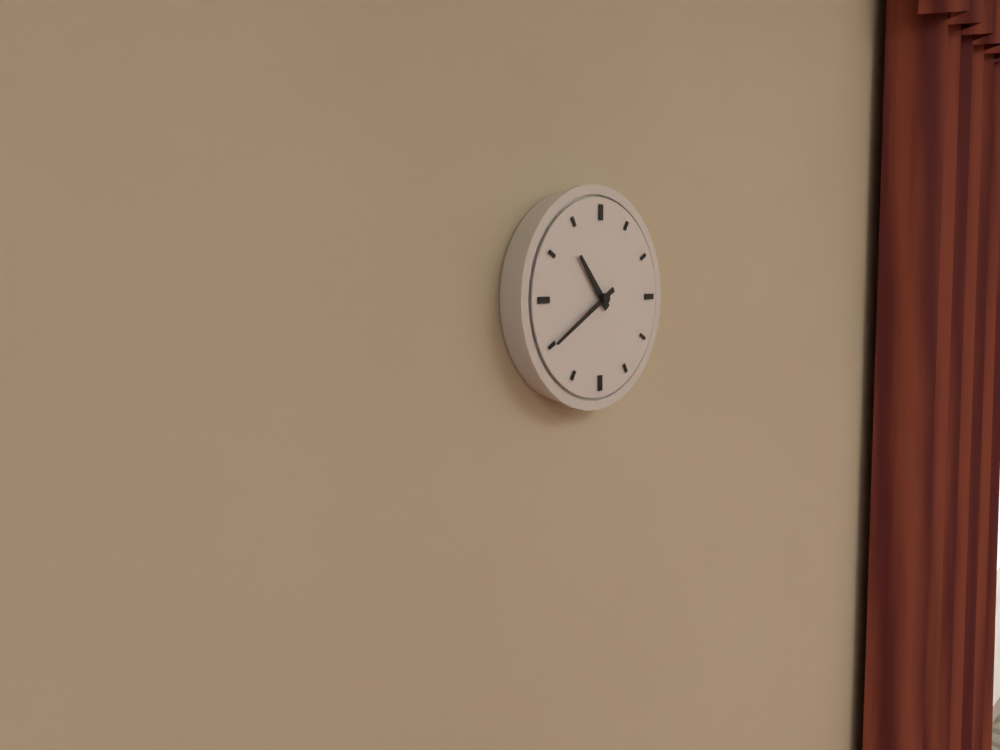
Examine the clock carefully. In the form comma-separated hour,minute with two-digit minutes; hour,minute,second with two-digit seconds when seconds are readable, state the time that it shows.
10,40
